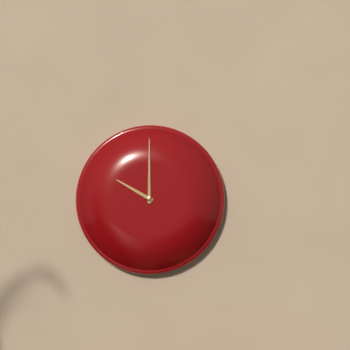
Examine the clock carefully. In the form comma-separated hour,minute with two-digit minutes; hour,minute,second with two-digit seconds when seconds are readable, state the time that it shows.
10,00
